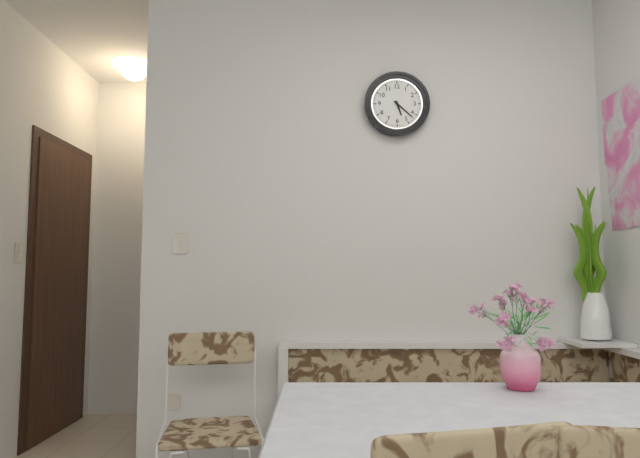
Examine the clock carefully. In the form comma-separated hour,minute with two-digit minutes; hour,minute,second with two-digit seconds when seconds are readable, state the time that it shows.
5,22
